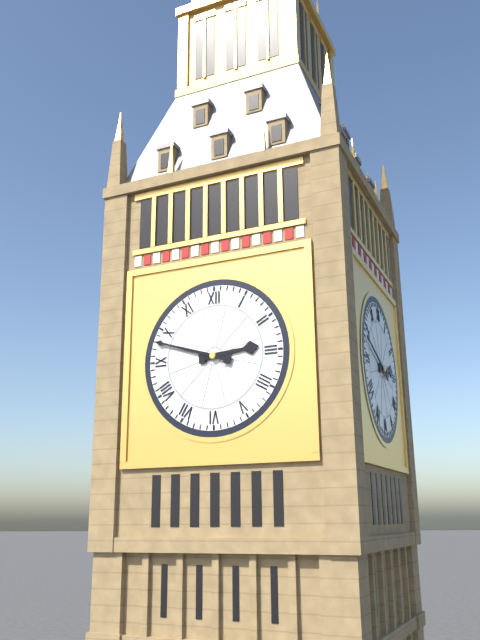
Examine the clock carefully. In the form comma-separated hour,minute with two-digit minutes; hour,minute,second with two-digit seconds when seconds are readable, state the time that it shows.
2,48
